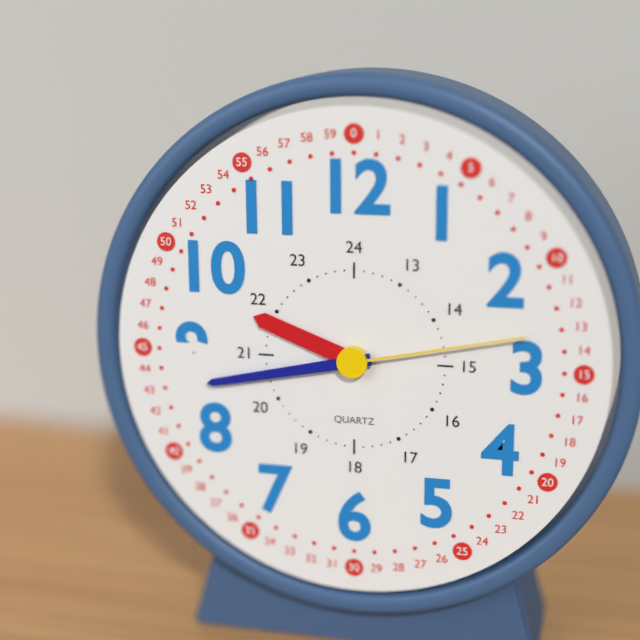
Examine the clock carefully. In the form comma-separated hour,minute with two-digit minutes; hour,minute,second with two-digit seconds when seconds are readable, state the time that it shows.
9,43,13
